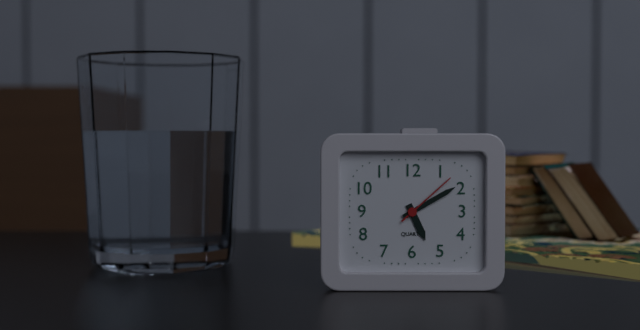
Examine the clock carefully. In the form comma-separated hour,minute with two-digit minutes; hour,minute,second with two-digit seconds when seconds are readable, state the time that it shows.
5,10,08
